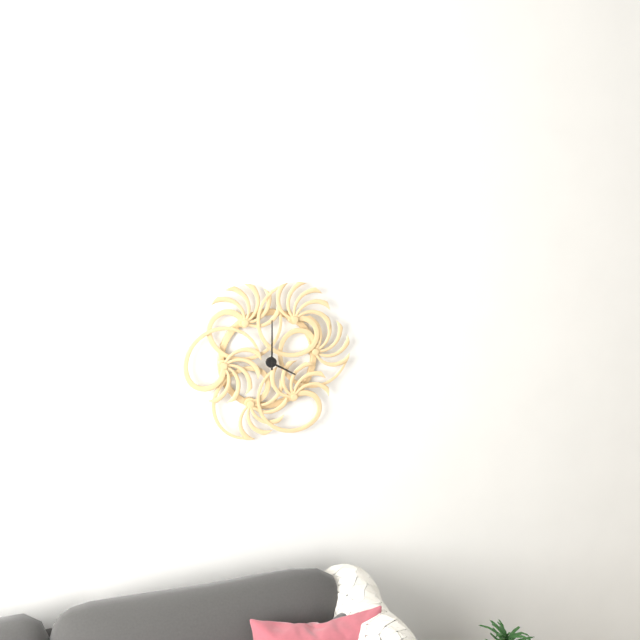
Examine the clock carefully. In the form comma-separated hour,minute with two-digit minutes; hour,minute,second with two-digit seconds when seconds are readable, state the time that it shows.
4,00
